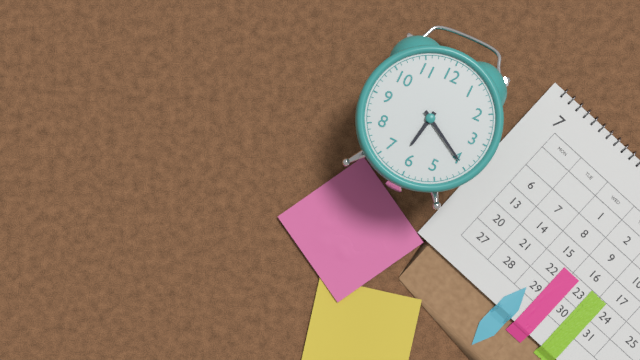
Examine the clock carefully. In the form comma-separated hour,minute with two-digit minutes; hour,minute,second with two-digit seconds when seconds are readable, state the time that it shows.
6,20
